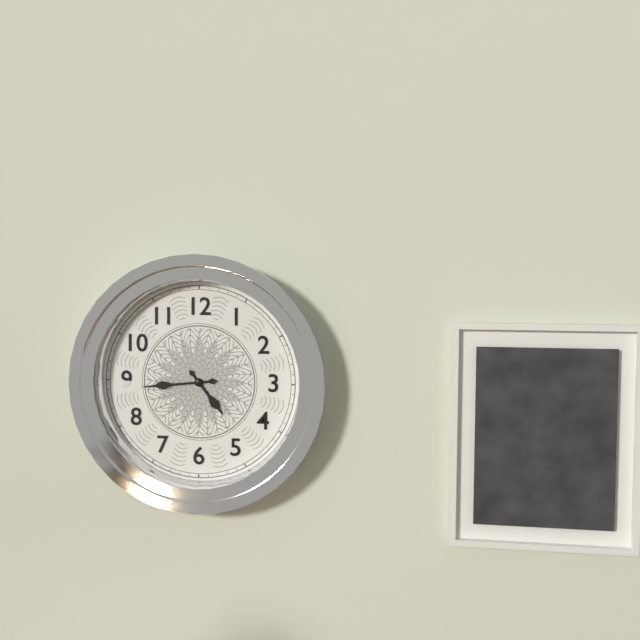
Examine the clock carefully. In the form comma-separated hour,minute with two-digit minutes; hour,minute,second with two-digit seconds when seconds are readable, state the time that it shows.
4,44
